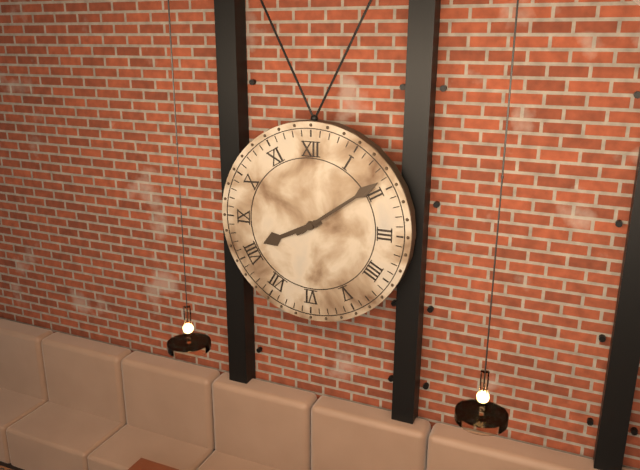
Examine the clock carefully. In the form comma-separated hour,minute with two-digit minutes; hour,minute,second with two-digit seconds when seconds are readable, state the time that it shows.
8,09
